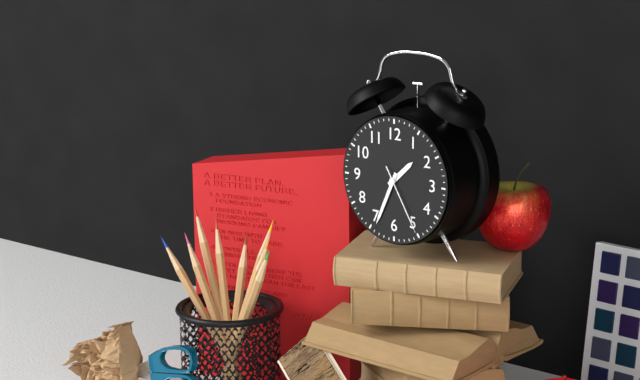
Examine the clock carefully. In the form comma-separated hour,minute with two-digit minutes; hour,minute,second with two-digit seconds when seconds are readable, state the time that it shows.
1,34,25
